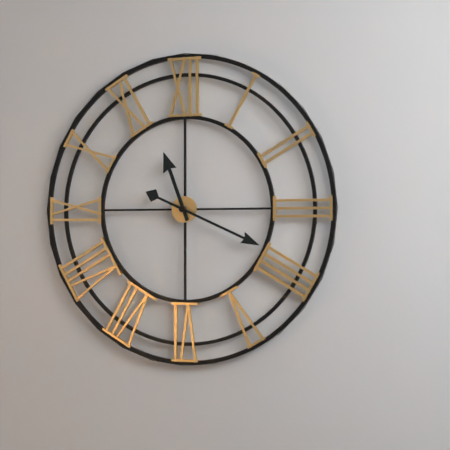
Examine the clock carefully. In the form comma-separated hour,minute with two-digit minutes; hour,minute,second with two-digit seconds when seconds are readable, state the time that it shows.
11,19
